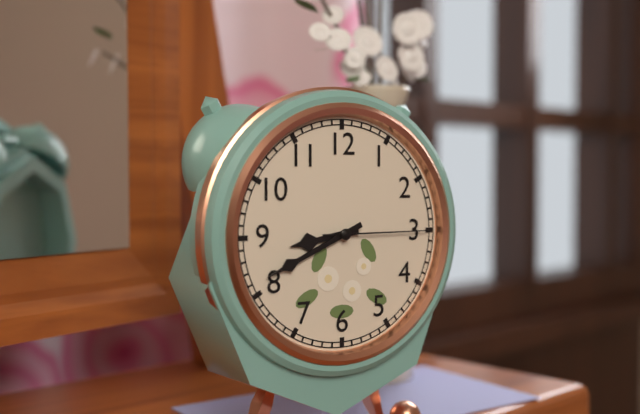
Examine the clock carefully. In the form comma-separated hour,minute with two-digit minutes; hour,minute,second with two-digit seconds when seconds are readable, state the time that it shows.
8,41,15
